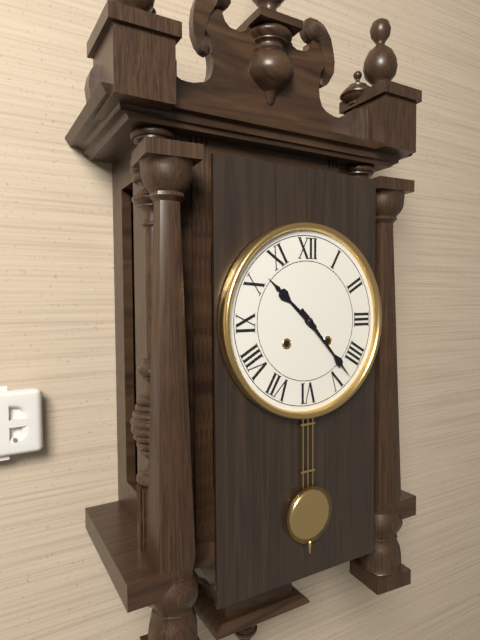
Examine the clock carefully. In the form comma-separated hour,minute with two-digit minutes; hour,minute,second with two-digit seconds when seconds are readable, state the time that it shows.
10,23
